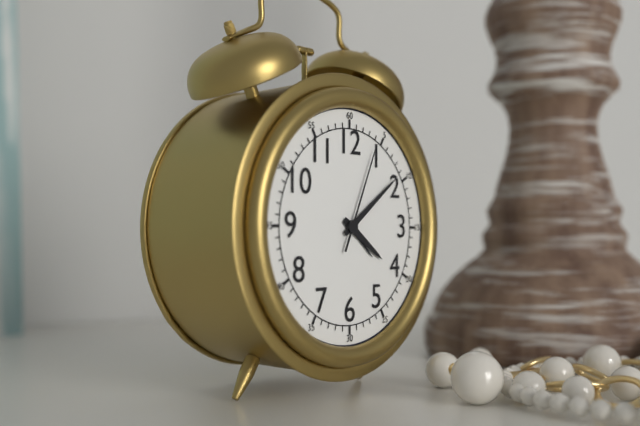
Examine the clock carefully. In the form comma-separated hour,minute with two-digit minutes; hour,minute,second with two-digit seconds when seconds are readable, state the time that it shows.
4,09,04
